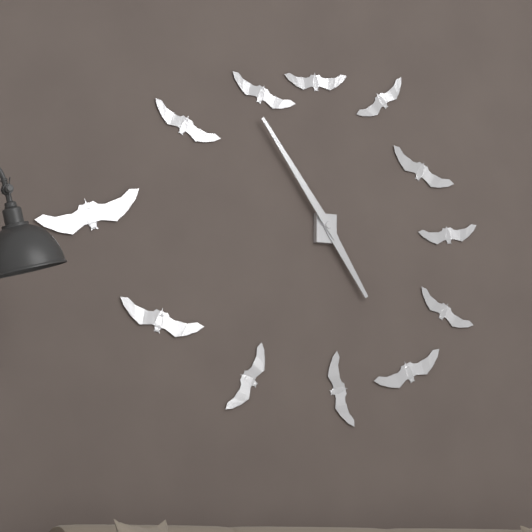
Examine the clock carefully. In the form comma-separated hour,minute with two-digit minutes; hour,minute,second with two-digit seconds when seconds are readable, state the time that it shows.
4,54
